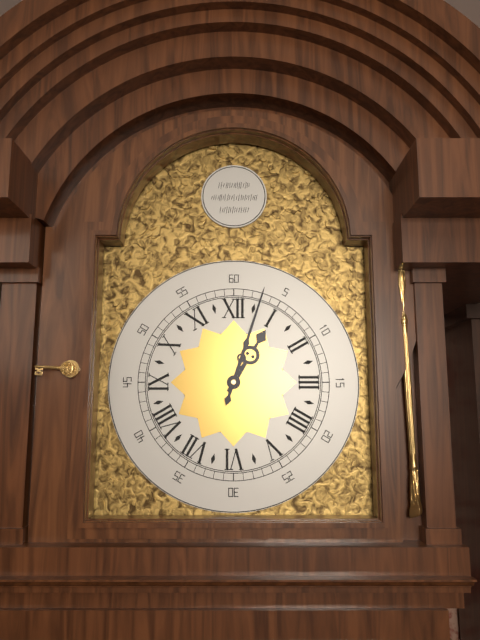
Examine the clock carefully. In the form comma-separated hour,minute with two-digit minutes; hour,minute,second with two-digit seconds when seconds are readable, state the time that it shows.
1,03
